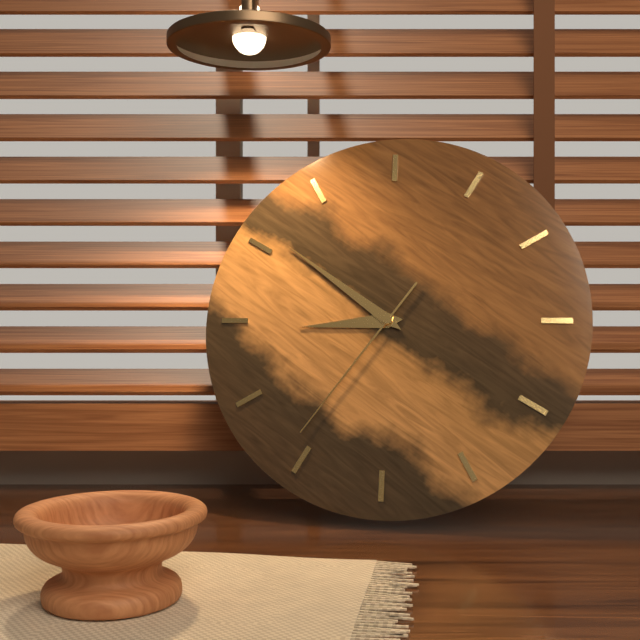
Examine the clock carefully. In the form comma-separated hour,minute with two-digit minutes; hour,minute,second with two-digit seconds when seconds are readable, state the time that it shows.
8,51,36
